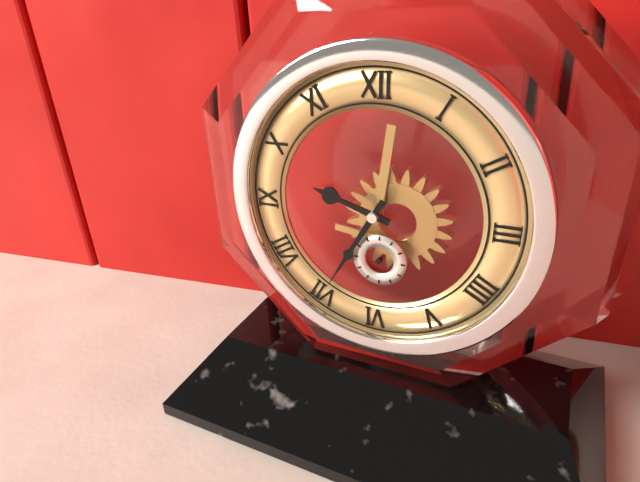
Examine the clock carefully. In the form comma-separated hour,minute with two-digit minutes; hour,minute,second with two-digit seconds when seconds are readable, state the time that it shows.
9,35
